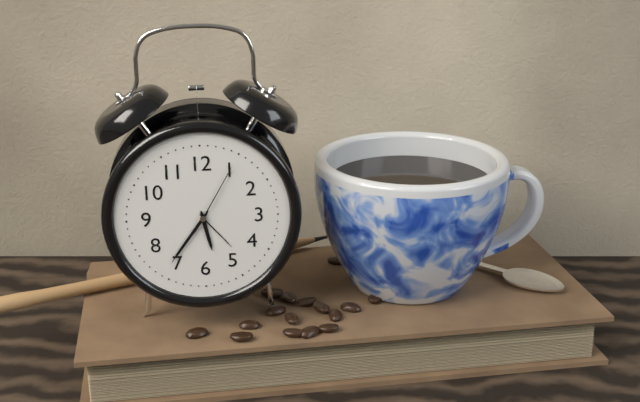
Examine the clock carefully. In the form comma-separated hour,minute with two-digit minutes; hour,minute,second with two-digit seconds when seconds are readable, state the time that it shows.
5,36,05
